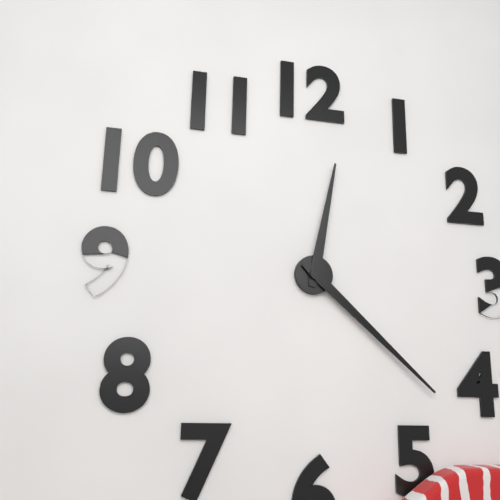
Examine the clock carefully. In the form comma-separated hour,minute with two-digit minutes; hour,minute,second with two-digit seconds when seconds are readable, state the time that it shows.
12,22
